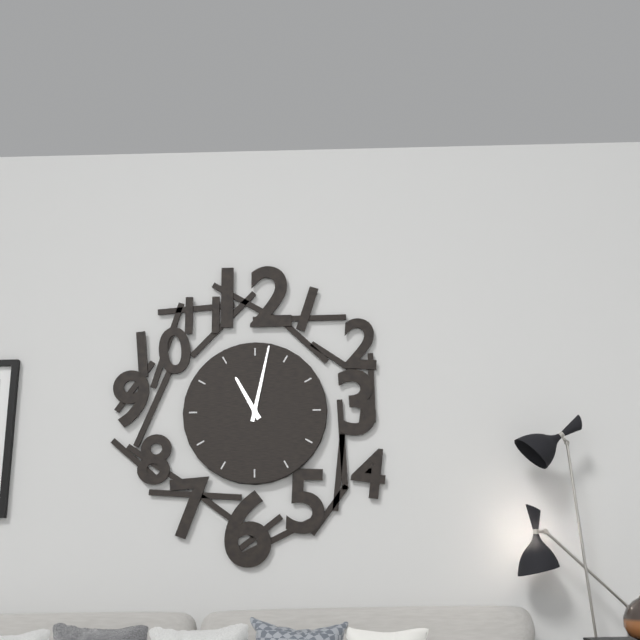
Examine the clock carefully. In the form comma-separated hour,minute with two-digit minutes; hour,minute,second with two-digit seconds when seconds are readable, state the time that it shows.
11,02
